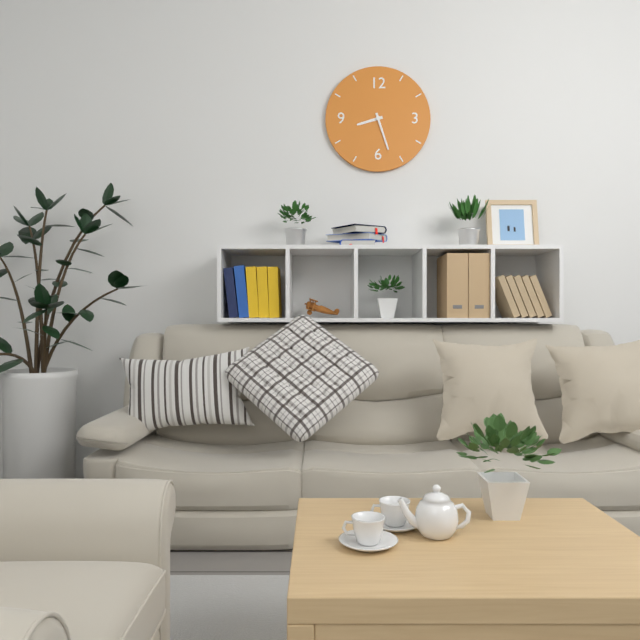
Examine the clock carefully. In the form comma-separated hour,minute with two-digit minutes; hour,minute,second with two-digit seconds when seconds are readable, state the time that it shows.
8,27
